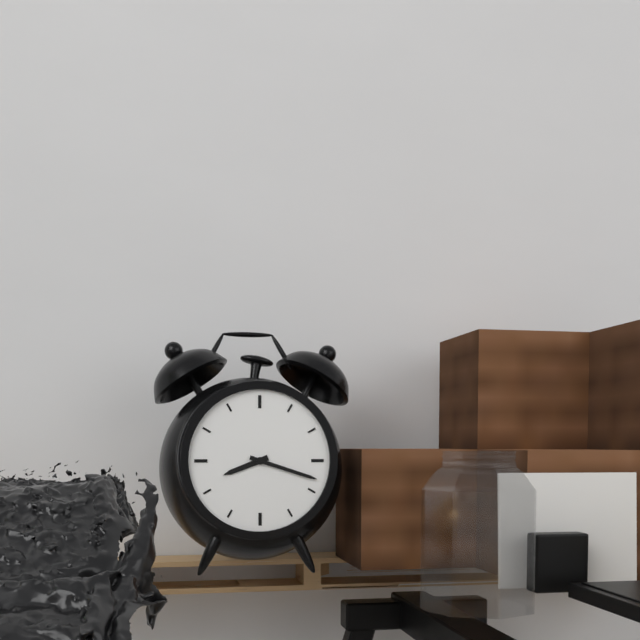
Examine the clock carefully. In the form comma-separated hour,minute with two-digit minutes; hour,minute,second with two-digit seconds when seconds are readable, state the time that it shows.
8,18
